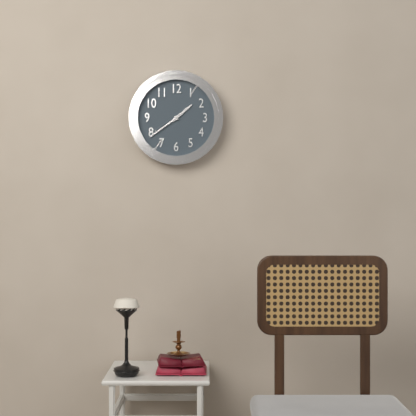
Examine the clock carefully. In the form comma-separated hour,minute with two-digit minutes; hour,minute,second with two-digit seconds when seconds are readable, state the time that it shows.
1,39
